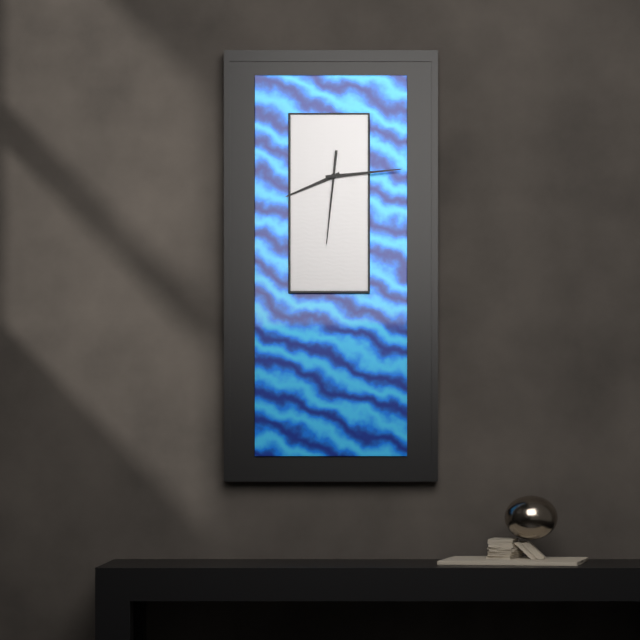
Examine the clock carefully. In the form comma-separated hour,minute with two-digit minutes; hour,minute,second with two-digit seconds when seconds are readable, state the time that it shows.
8,14,31
